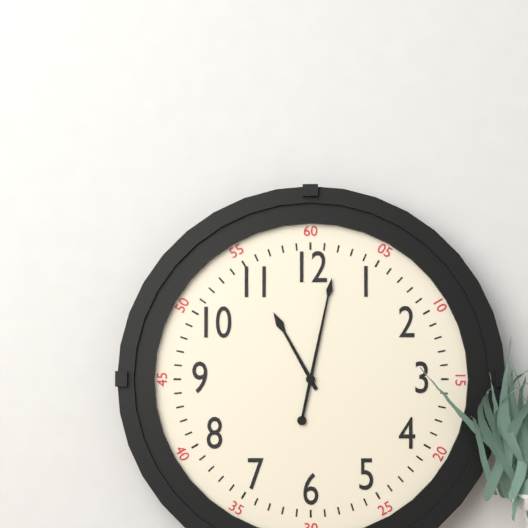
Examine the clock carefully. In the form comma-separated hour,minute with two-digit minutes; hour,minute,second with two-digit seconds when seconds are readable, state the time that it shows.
11,02
